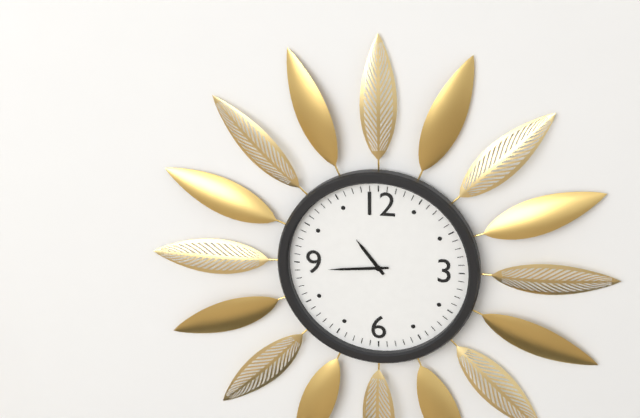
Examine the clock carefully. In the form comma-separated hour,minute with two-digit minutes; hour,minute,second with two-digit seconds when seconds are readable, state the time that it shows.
10,44
